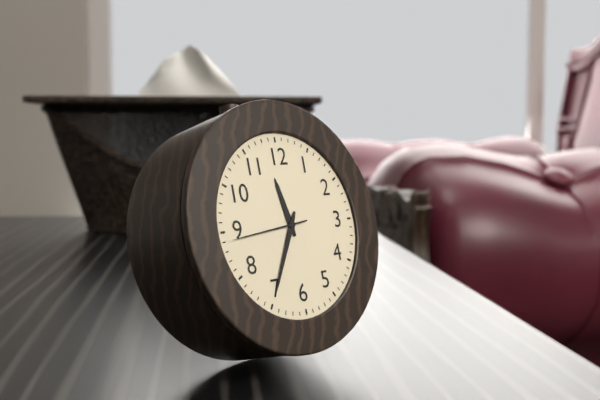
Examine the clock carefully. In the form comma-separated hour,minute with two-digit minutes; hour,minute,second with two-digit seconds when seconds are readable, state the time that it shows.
11,35,44
